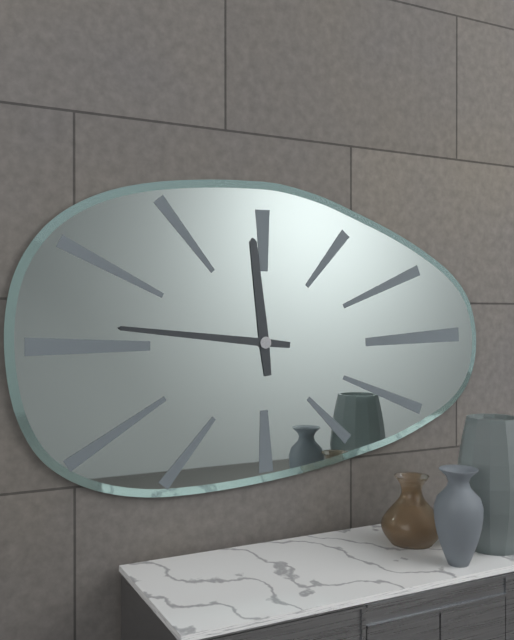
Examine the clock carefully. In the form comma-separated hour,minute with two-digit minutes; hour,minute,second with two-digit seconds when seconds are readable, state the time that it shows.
11,46
